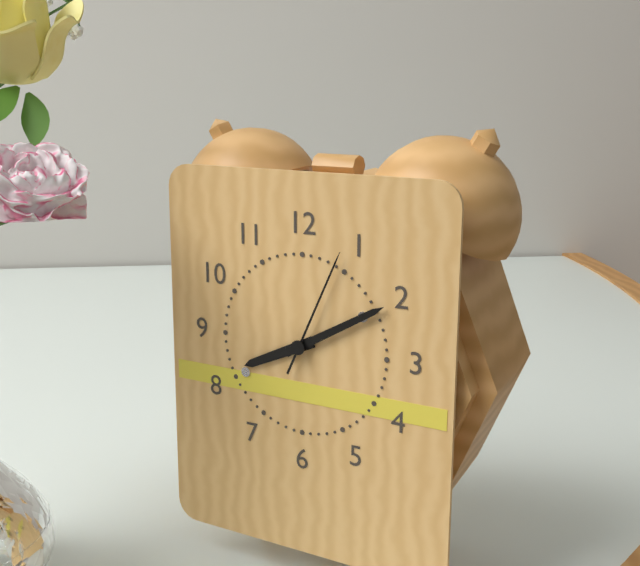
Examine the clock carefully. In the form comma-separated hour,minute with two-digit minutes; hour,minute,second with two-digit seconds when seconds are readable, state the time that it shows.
8,10,04
